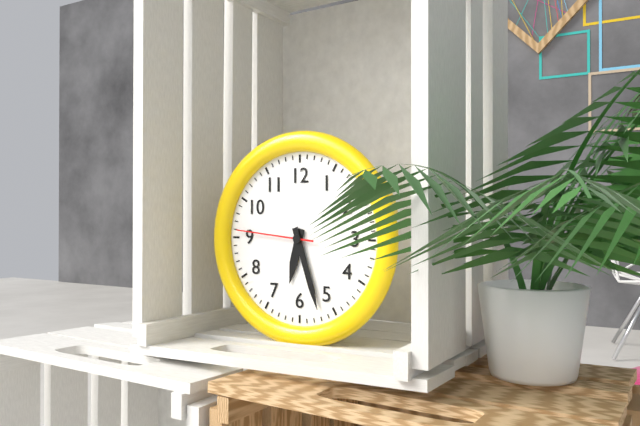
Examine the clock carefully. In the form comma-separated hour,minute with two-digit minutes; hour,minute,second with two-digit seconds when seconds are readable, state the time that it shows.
6,27,46
